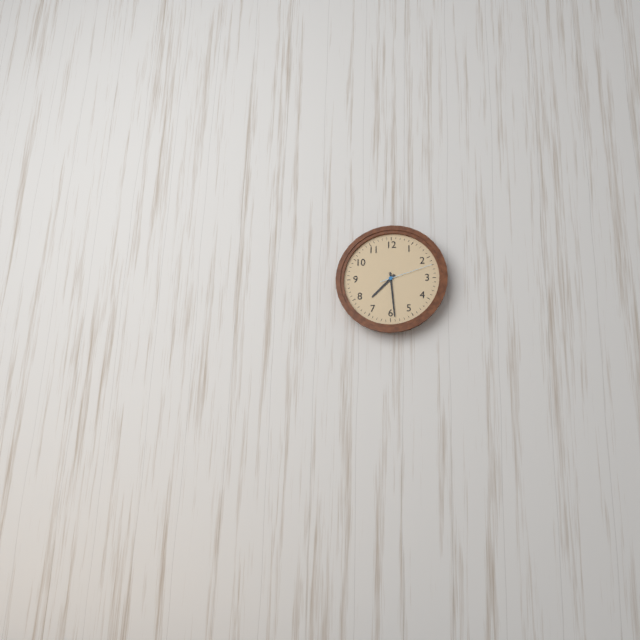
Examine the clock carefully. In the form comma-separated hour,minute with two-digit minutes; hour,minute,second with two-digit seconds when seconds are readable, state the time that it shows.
7,29,12
